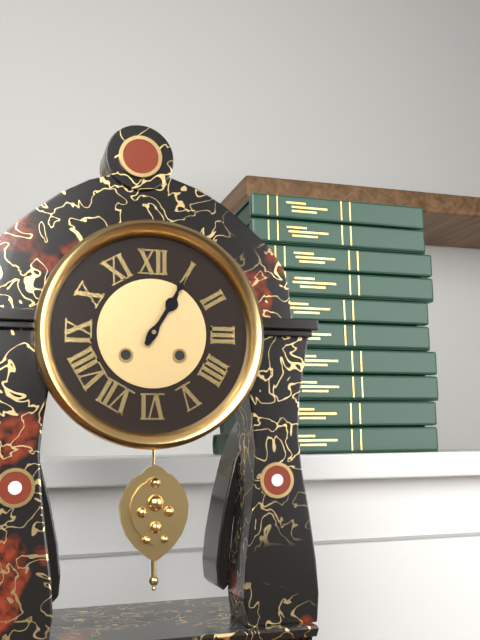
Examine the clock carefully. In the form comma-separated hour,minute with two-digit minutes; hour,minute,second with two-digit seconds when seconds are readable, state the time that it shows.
1,05
